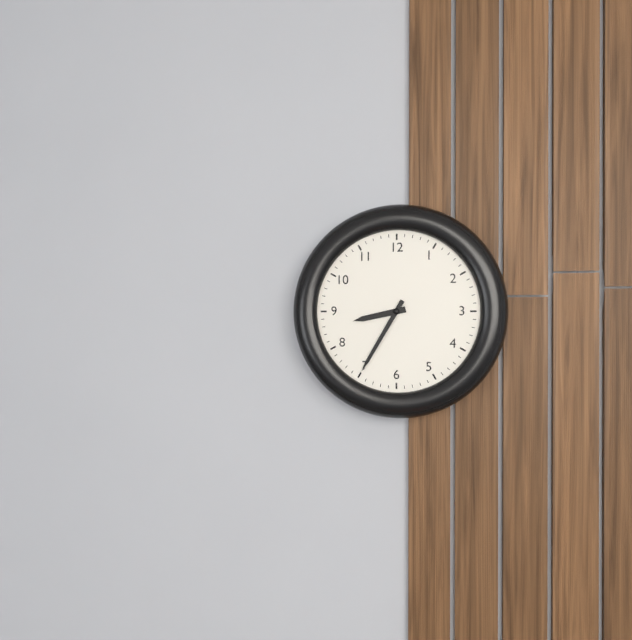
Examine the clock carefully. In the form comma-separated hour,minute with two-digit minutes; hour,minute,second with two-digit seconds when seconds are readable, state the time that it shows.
8,35
